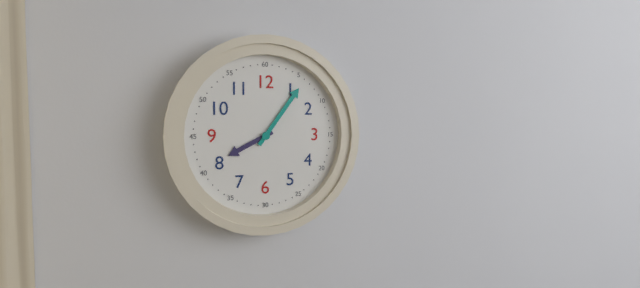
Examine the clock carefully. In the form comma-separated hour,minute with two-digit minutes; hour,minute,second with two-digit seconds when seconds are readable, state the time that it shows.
8,06
